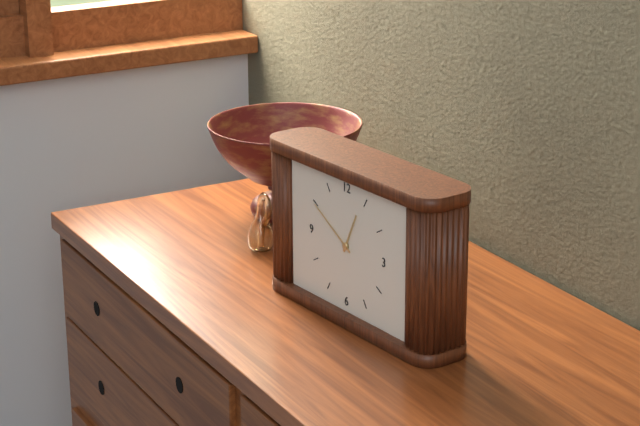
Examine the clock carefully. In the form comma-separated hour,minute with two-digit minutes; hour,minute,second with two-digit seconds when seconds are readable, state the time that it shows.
12,50
